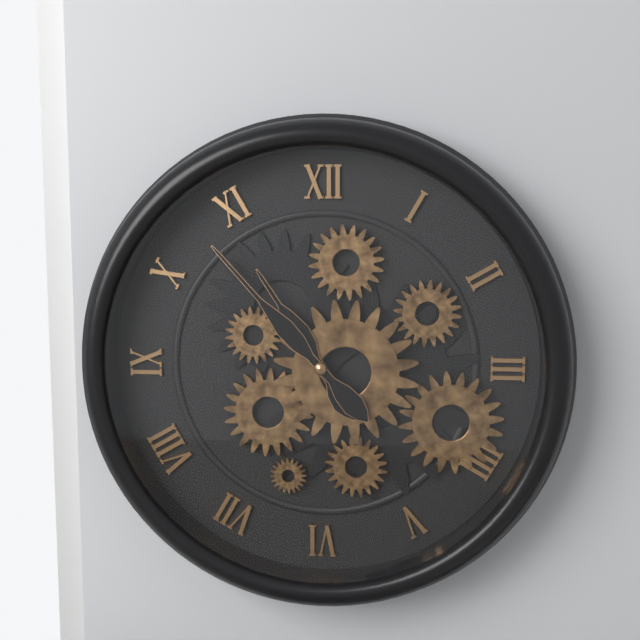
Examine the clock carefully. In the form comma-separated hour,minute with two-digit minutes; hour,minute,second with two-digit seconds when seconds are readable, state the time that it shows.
10,53
